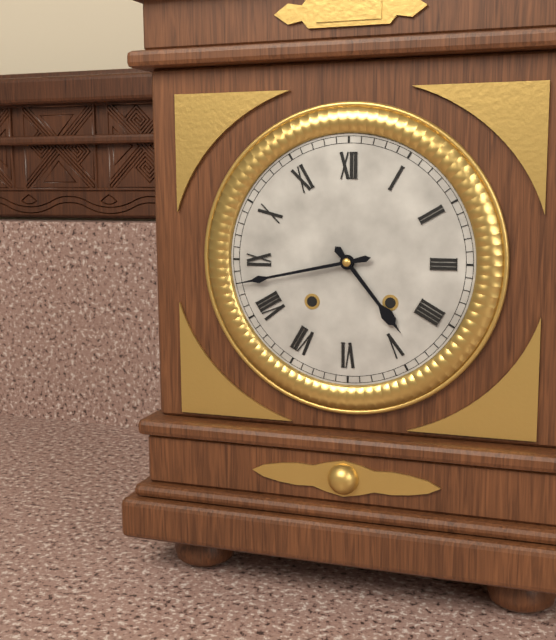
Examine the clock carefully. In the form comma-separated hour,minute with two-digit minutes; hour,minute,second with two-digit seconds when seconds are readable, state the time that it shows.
4,43
